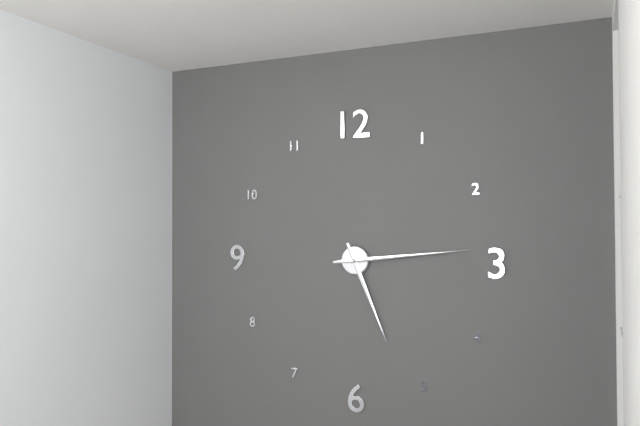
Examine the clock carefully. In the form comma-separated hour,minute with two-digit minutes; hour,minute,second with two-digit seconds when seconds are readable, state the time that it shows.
5,14
